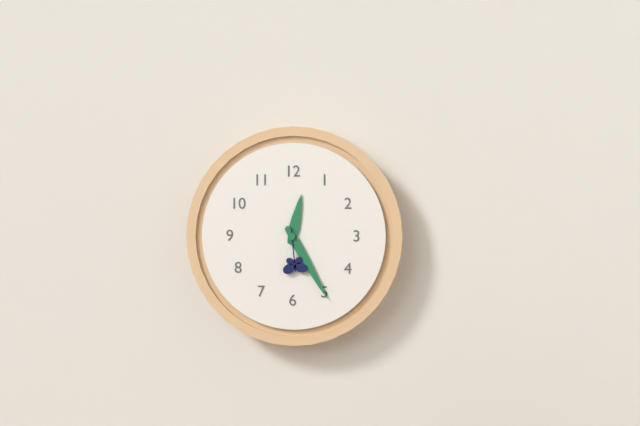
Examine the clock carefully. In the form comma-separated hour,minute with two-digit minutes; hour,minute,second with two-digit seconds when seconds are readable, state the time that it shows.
12,25
